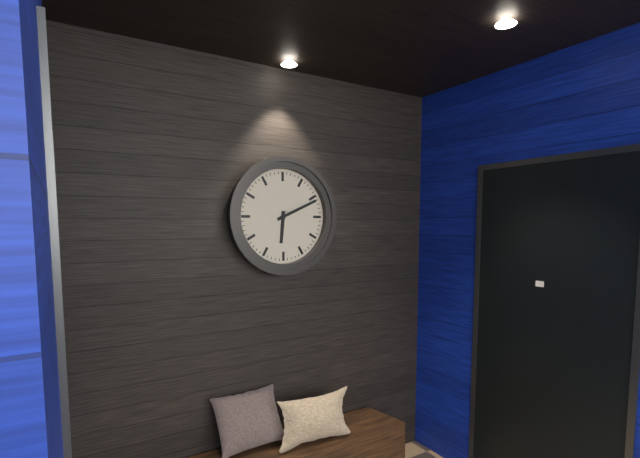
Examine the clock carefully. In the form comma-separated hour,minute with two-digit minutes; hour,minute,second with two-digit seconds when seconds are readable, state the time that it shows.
6,11
